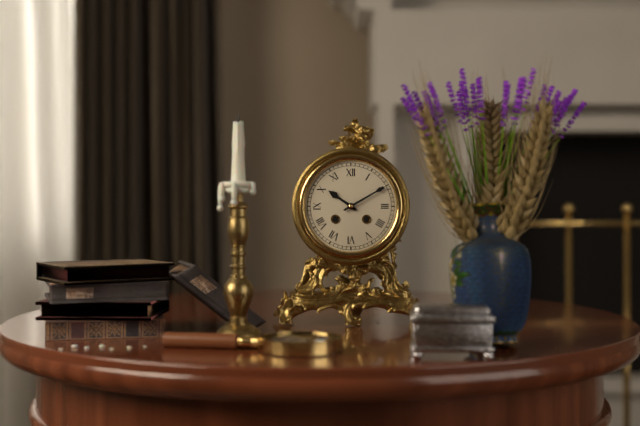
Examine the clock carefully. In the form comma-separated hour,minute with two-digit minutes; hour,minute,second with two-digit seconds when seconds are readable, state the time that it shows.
10,10
